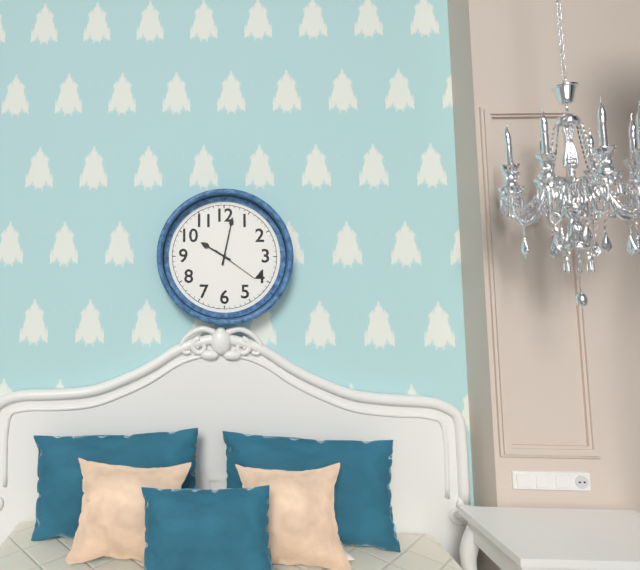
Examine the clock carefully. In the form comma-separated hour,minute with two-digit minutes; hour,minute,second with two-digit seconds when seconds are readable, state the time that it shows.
10,02
